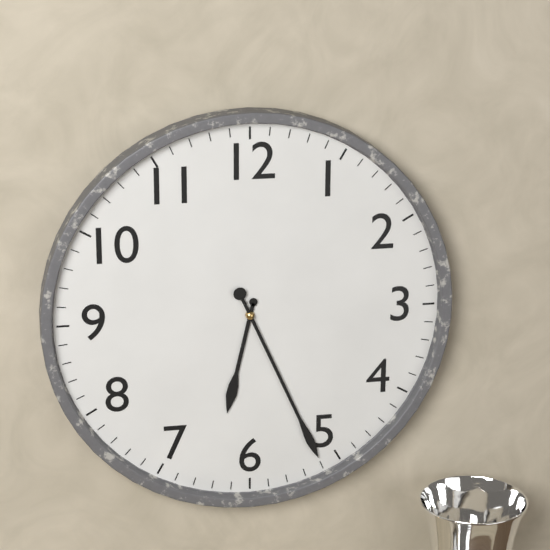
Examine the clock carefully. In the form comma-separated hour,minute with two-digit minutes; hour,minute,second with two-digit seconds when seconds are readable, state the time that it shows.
6,26
